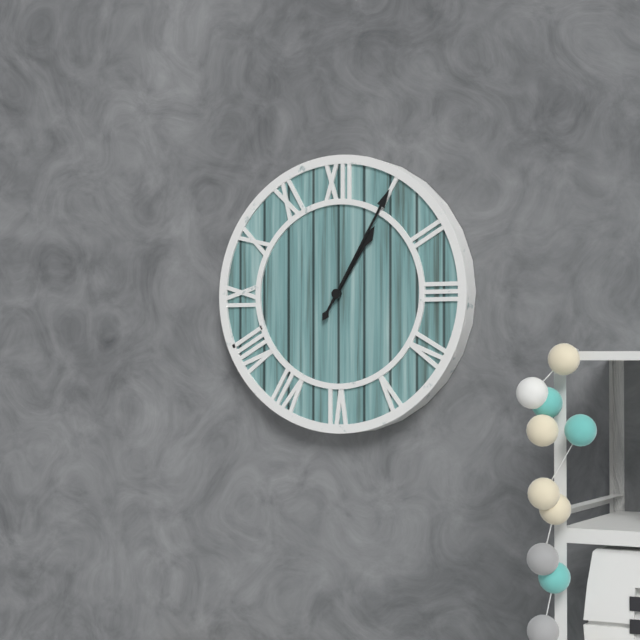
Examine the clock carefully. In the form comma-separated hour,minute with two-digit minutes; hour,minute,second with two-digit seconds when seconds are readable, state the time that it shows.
1,05
